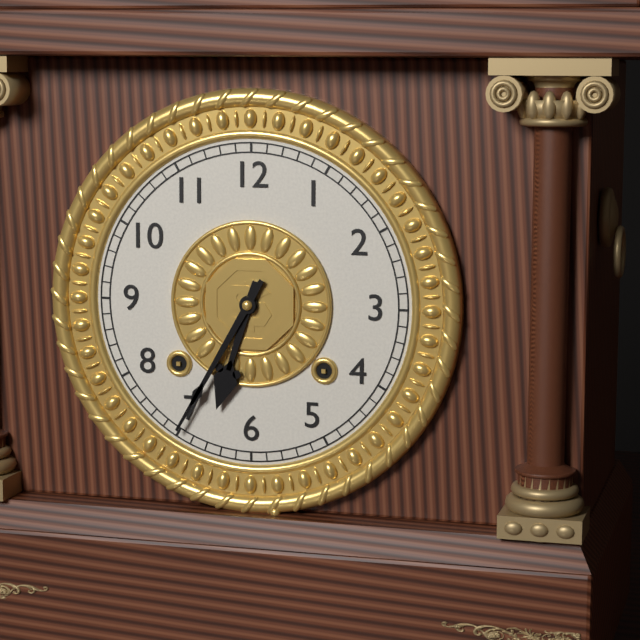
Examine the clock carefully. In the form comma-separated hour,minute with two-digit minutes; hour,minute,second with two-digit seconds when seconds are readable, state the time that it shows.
6,35
